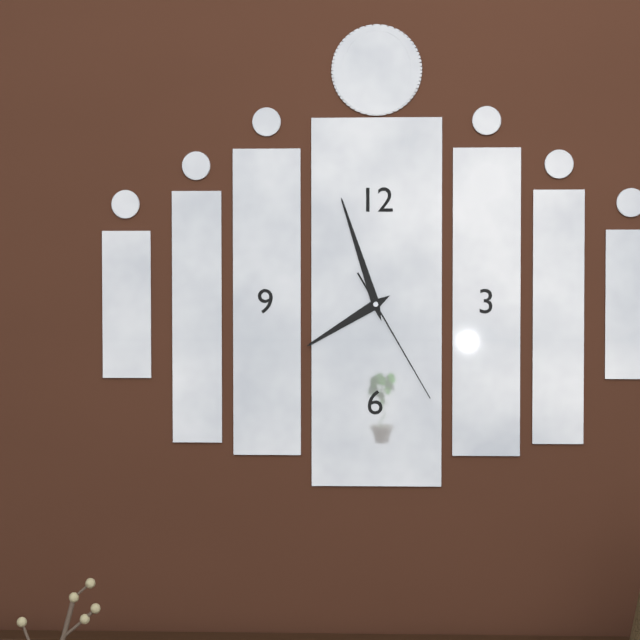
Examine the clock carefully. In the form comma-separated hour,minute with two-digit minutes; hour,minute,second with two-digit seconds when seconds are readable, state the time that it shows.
7,57,25
